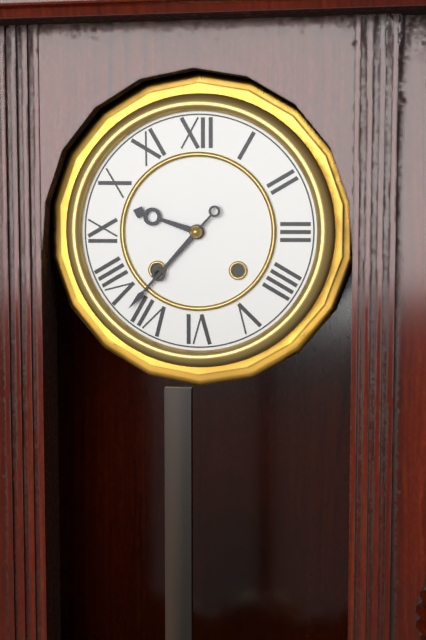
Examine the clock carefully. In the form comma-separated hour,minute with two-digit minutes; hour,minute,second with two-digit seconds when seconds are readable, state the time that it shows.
9,37
